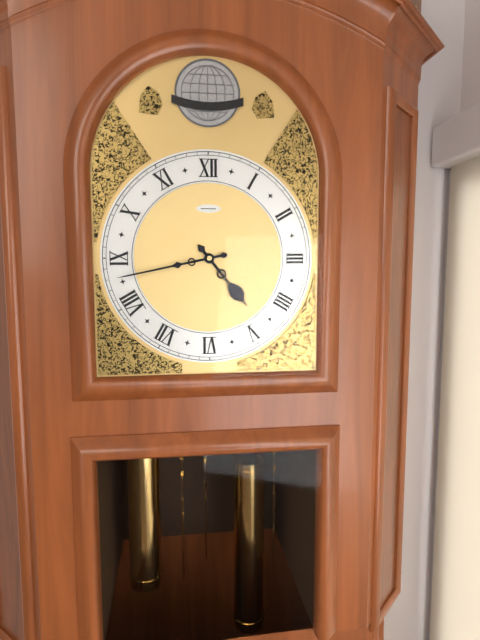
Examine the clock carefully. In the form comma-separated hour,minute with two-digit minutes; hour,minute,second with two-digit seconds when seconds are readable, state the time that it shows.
4,43
